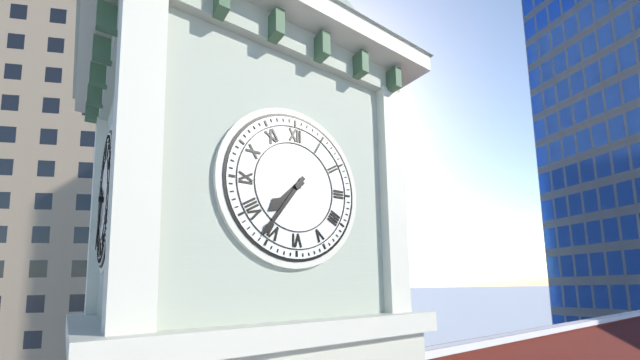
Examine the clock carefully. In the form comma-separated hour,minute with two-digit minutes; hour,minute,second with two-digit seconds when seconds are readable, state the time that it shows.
7,36
